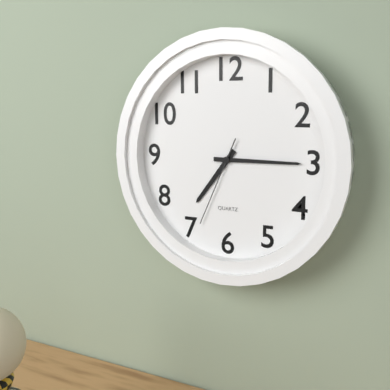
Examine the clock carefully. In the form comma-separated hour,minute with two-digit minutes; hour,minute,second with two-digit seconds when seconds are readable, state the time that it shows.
7,15,34
